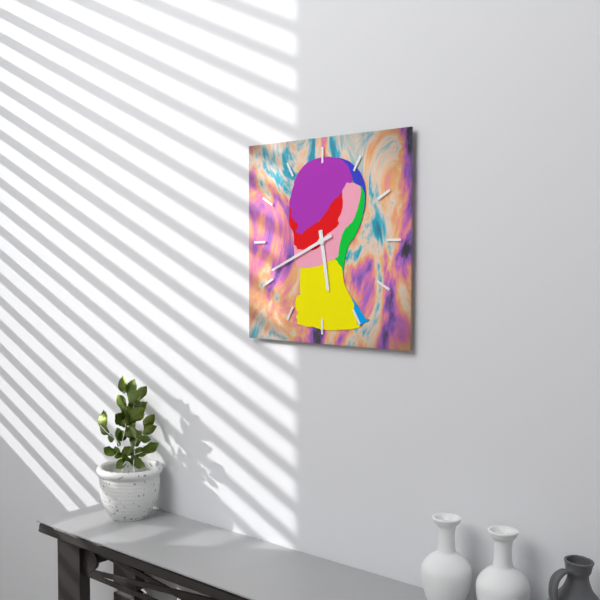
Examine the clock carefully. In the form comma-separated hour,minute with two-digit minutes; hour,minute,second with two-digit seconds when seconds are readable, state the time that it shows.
5,41
